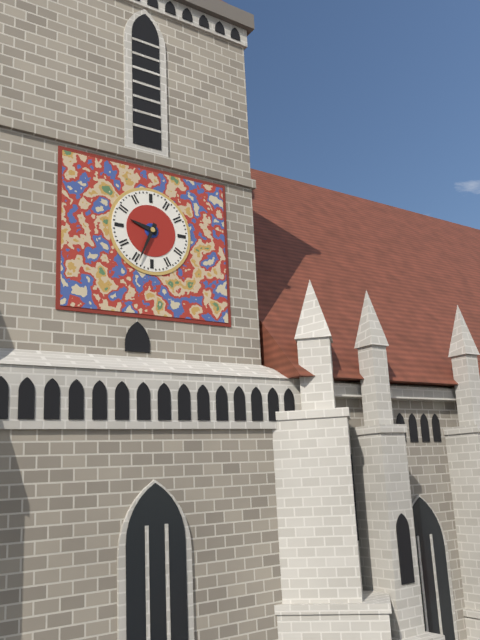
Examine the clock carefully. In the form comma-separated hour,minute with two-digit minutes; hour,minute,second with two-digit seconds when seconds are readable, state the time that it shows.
9,34
